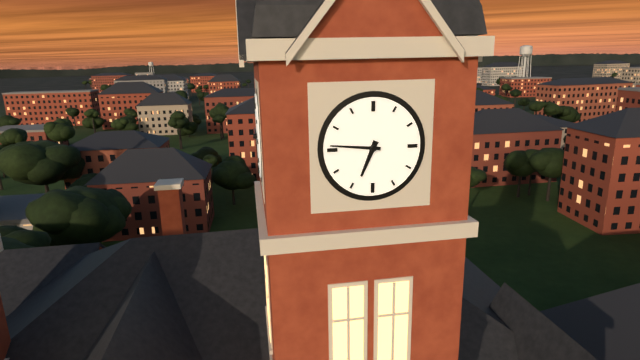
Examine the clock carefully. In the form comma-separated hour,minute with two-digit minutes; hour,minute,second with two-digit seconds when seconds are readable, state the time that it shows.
6,46
